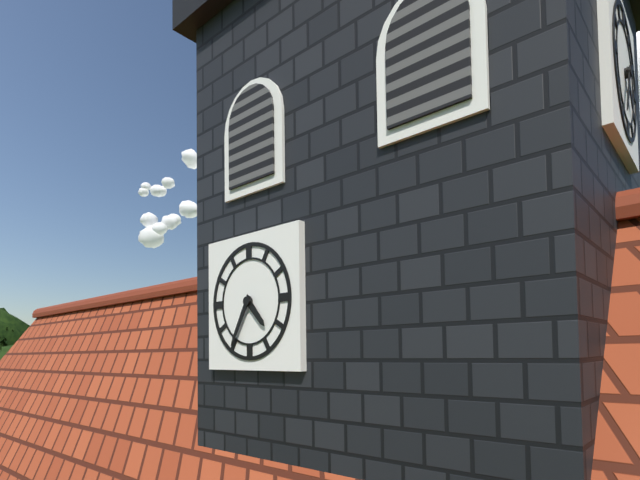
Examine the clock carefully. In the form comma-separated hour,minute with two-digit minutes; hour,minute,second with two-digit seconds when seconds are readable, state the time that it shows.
4,35
